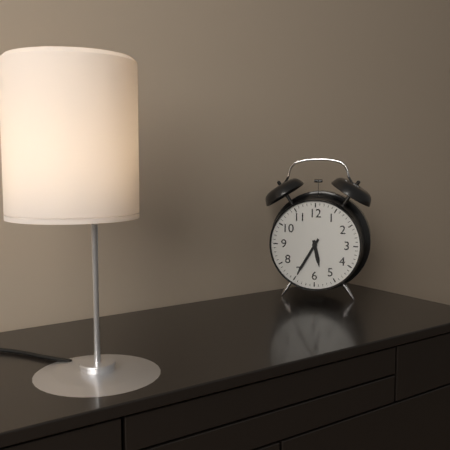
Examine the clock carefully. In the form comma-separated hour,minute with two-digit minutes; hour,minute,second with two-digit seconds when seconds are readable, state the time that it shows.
5,35
